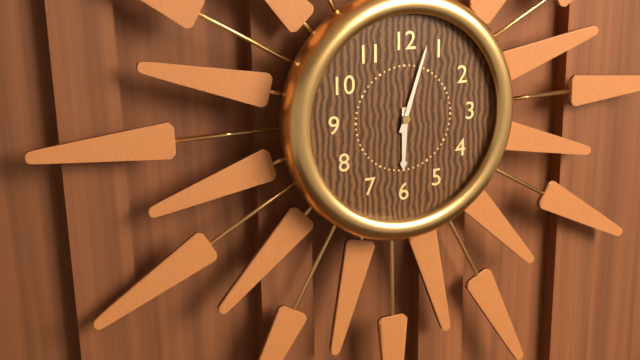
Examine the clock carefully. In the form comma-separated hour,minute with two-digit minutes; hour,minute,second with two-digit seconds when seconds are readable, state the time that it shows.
6,03
